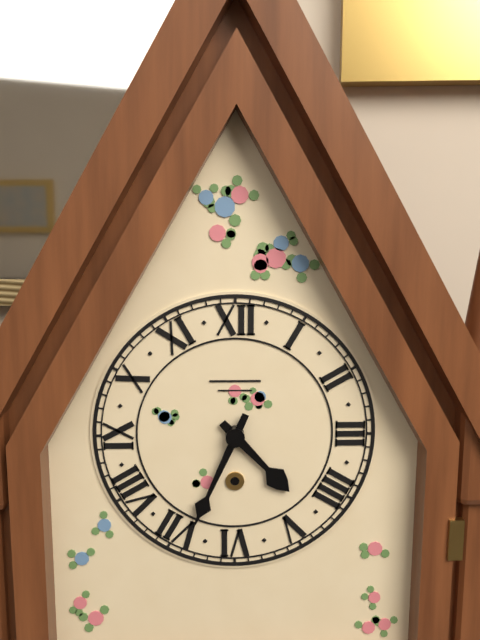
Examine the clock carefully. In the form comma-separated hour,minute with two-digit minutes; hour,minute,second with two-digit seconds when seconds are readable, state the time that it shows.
4,34
